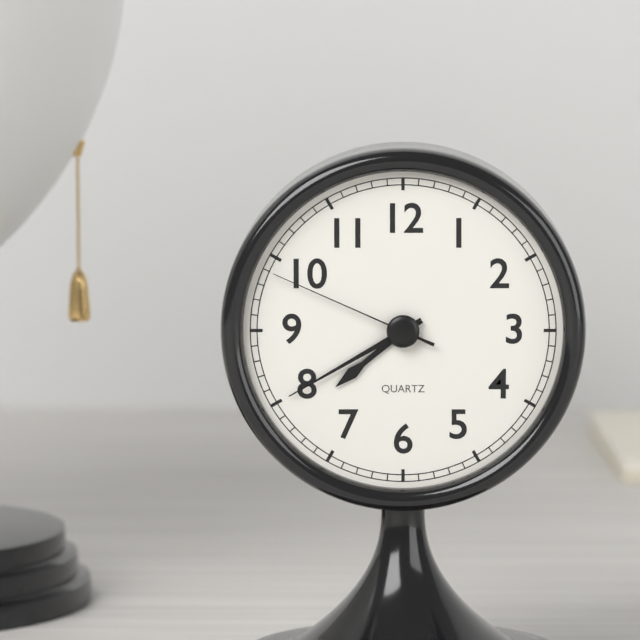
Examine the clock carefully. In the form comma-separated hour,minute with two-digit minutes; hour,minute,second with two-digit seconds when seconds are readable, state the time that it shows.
7,40,49
